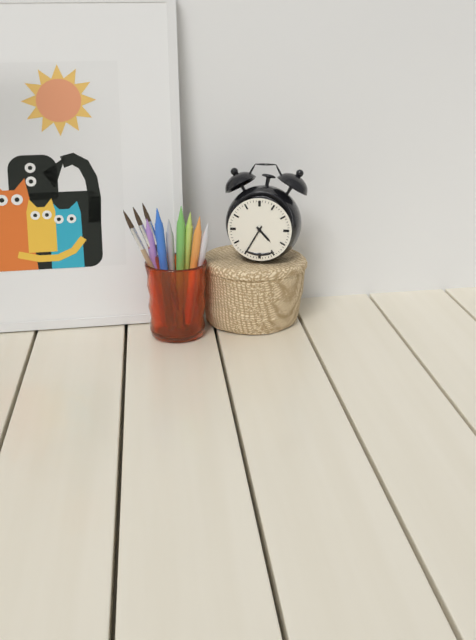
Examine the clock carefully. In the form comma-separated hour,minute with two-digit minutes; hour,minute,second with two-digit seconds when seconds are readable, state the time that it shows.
4,35
